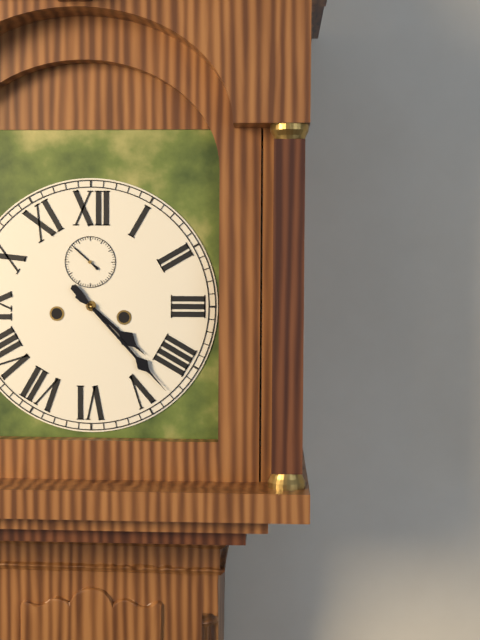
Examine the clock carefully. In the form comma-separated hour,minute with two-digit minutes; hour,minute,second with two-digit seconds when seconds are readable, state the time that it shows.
4,23
